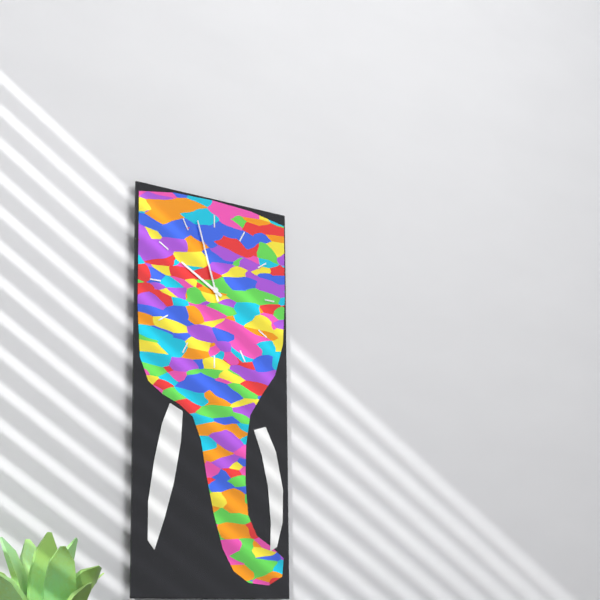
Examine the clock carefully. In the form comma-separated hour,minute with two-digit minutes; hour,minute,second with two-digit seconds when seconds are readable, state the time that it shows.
9,57
